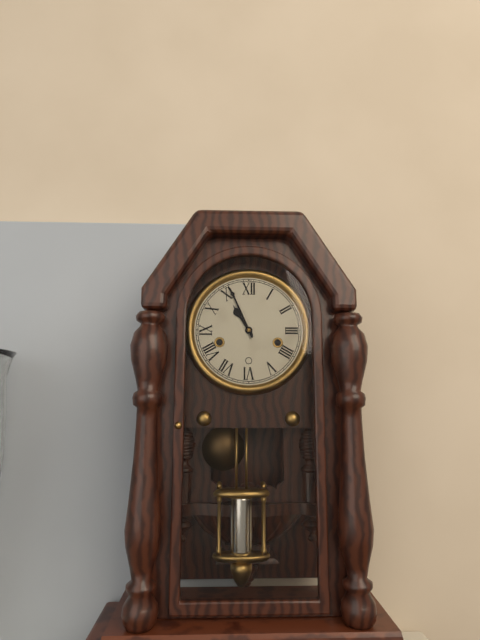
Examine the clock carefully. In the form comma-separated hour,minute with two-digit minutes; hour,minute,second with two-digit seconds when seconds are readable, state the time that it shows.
10,56
